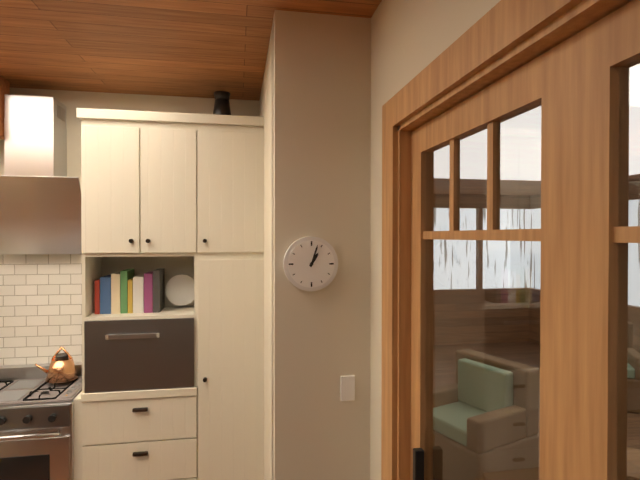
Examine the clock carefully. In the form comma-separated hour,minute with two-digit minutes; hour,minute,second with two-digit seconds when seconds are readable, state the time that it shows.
1,03
